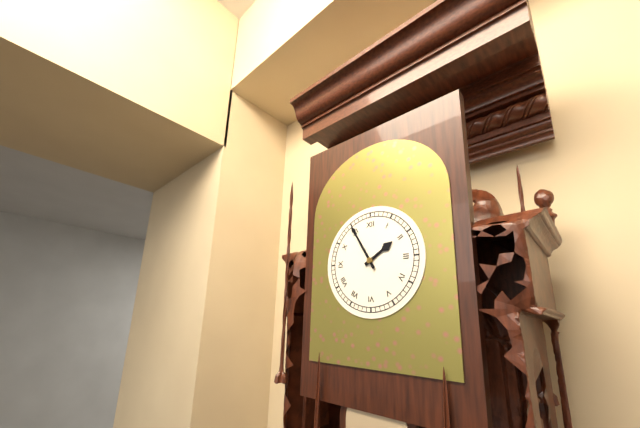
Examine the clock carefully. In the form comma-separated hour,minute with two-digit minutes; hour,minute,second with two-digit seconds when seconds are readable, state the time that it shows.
1,55
